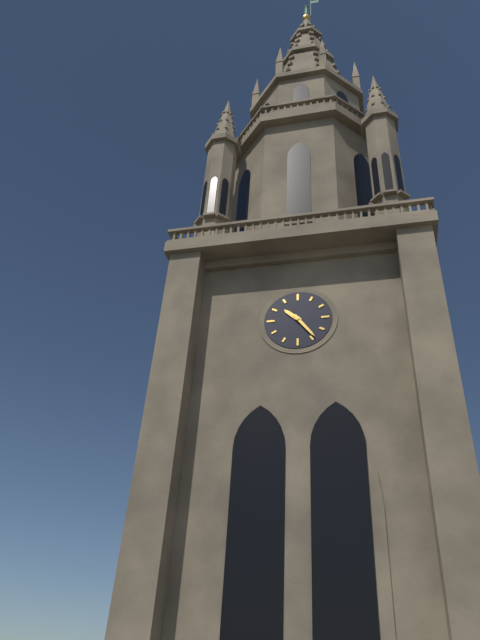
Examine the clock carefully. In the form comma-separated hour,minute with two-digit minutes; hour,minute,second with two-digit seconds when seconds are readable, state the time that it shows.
10,24
